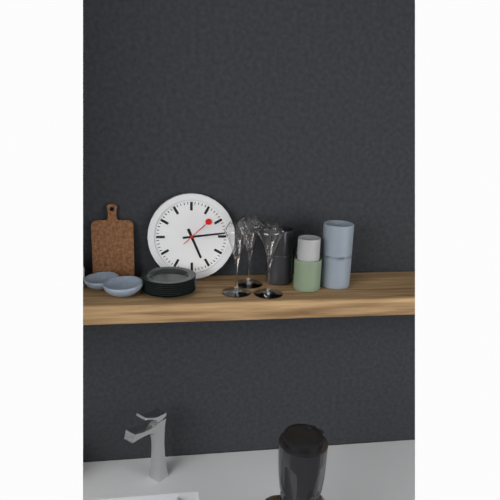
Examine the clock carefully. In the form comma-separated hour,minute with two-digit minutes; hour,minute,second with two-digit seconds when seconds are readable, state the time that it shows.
5,14
